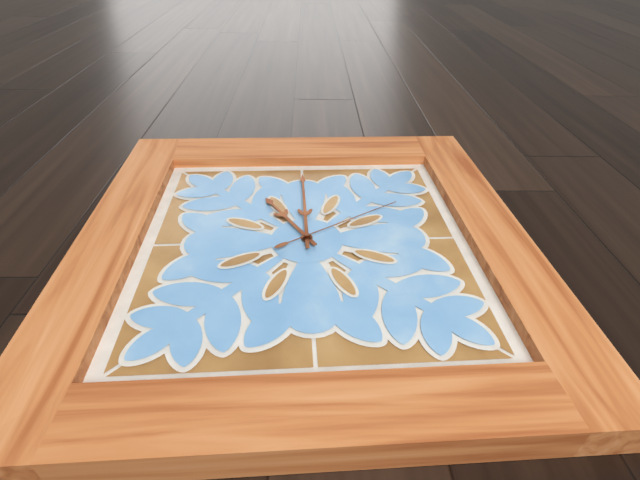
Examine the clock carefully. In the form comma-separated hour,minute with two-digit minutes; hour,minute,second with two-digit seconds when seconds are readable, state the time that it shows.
11,00,10
